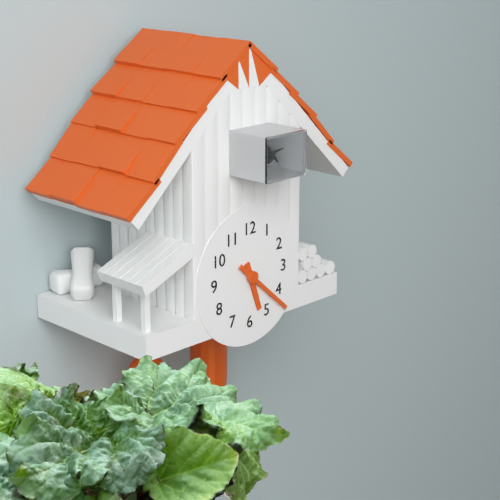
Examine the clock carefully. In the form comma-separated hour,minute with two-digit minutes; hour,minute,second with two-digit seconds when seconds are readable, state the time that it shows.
5,22
